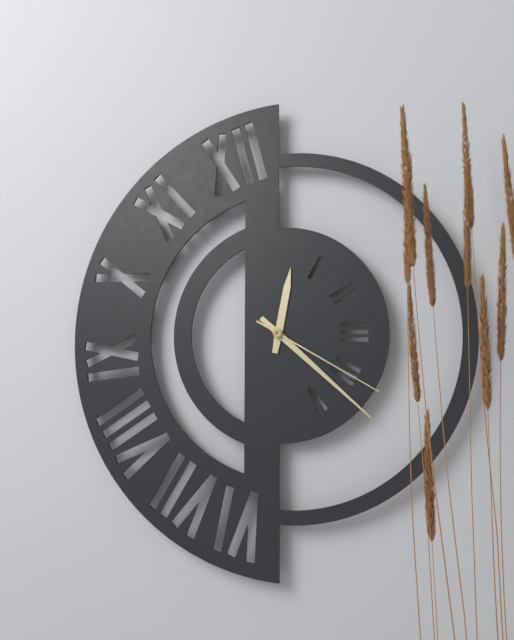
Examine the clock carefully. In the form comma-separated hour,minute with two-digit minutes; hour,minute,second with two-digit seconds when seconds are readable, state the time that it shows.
12,22,20
